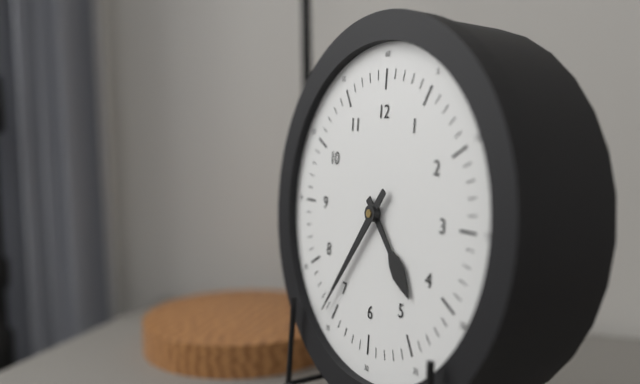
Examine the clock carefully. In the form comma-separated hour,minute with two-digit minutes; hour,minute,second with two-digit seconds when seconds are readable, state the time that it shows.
4,36
